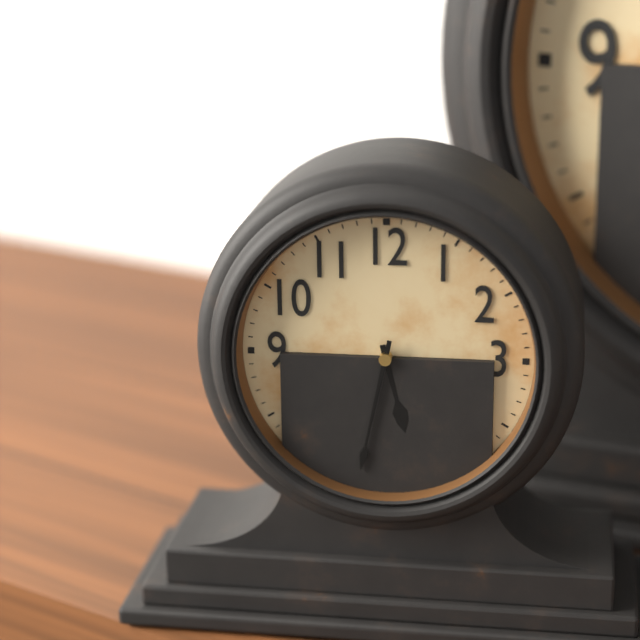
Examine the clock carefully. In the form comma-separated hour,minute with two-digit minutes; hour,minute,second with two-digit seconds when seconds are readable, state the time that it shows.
5,32
